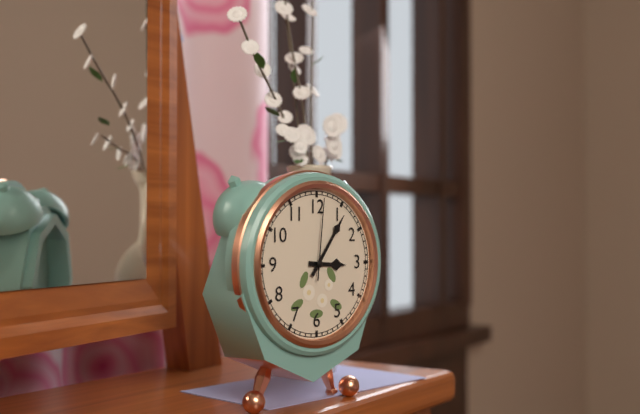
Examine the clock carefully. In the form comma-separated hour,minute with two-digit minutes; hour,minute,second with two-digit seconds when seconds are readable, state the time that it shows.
3,06,01
